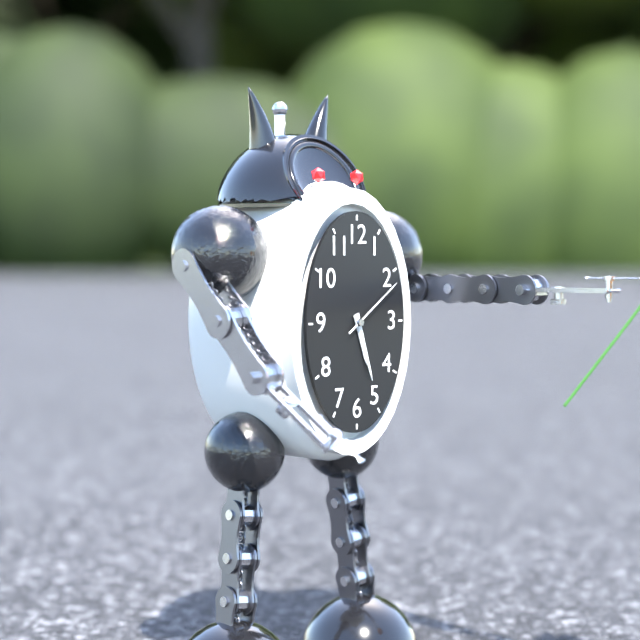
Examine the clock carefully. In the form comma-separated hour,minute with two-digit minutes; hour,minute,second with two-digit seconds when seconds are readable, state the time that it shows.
5,27,09
